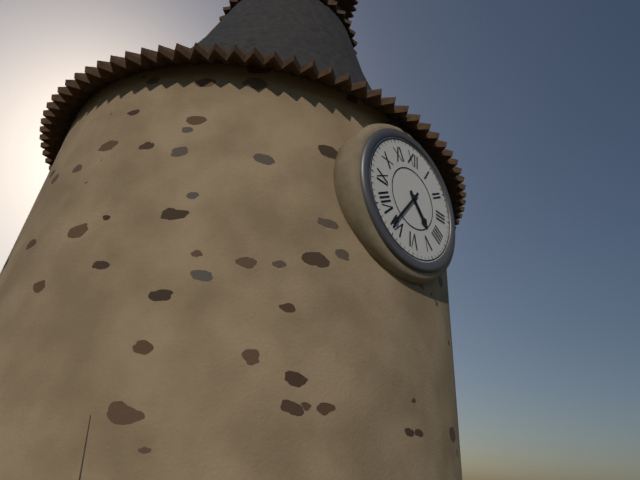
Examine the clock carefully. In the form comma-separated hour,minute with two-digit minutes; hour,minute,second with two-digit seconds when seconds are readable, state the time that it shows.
4,36
